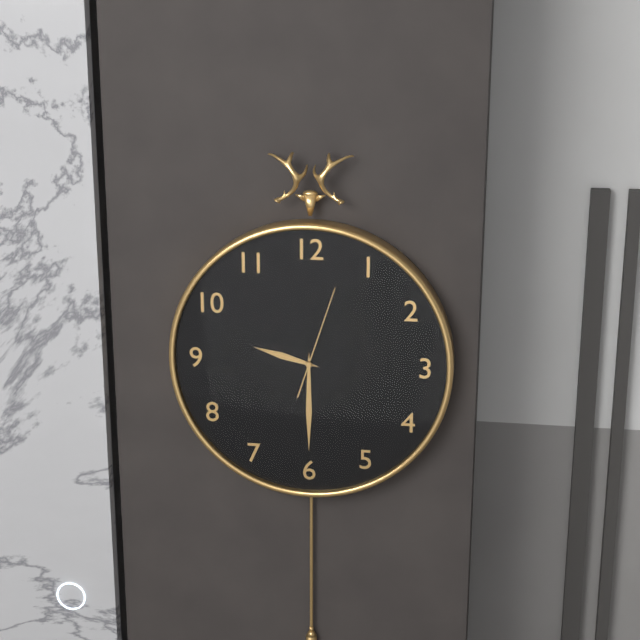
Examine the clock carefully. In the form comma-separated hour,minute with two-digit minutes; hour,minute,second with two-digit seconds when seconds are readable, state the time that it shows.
9,30,03
